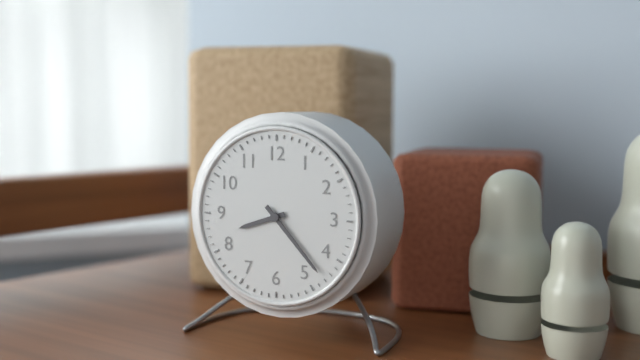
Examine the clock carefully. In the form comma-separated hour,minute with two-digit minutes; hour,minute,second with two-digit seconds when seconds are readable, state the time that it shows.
8,23
